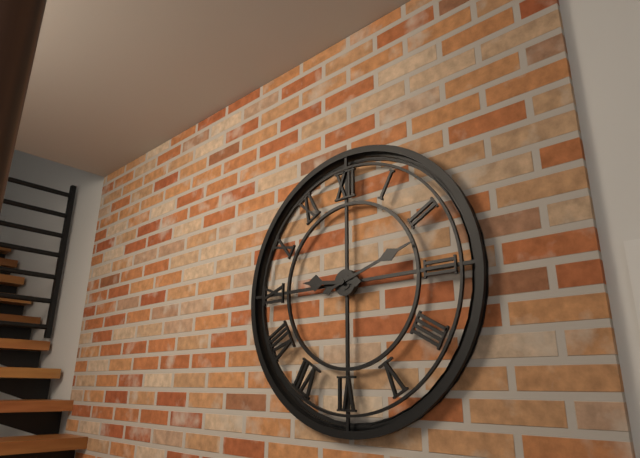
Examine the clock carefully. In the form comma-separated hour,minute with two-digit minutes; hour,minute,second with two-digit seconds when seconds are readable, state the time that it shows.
9,12
